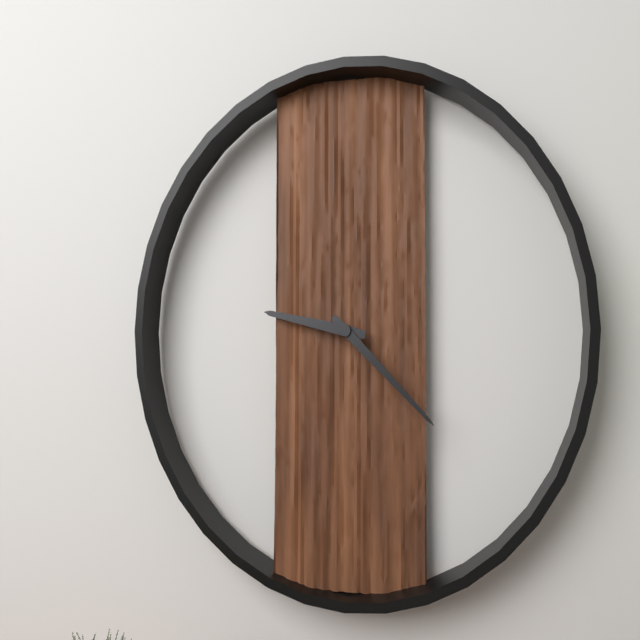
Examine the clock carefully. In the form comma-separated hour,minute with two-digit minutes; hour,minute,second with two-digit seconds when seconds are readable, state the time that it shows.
9,22
